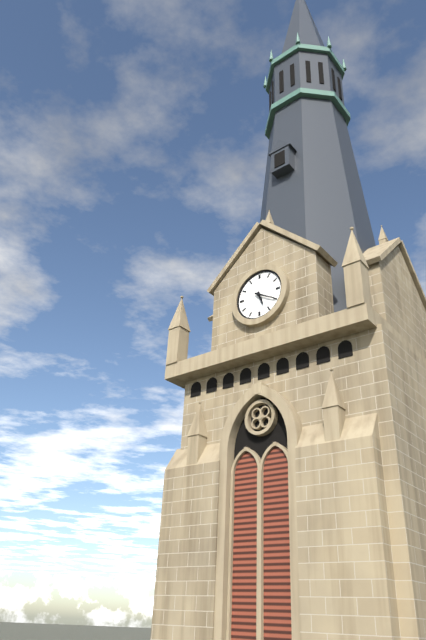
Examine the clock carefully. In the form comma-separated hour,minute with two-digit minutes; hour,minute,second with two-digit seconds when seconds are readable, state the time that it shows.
5,20
